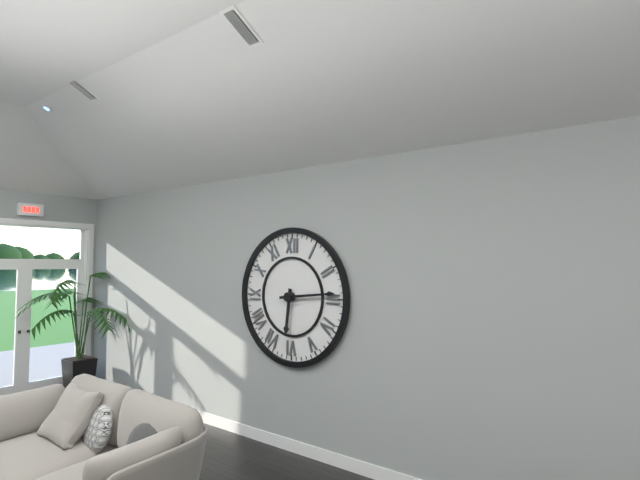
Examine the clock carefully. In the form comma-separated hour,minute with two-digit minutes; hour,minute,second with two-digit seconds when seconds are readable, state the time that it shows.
6,14
